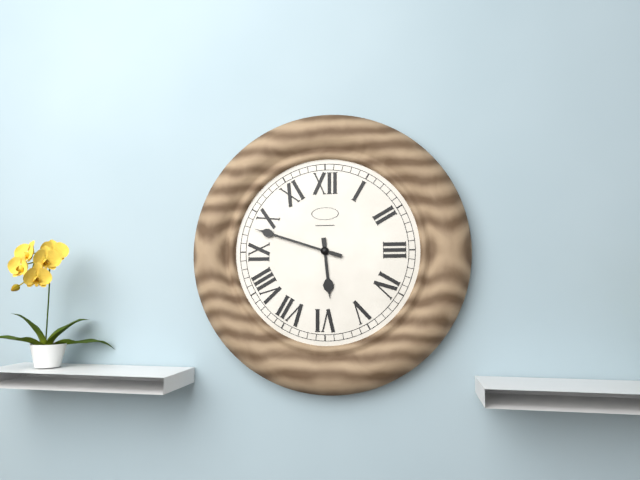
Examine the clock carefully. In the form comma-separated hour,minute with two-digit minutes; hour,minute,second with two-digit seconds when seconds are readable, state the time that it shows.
5,48
